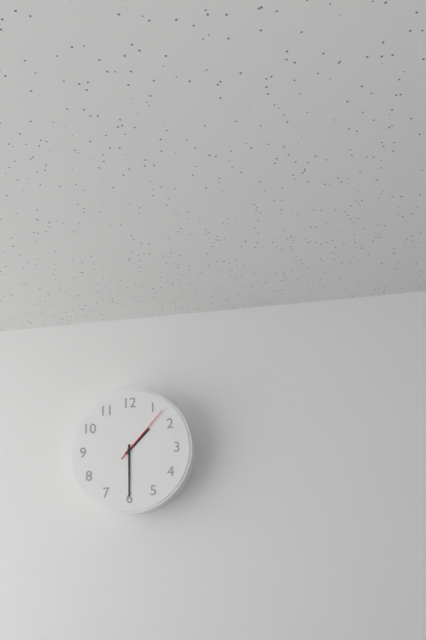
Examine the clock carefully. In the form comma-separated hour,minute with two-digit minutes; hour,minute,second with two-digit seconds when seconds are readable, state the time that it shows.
1,30,07
